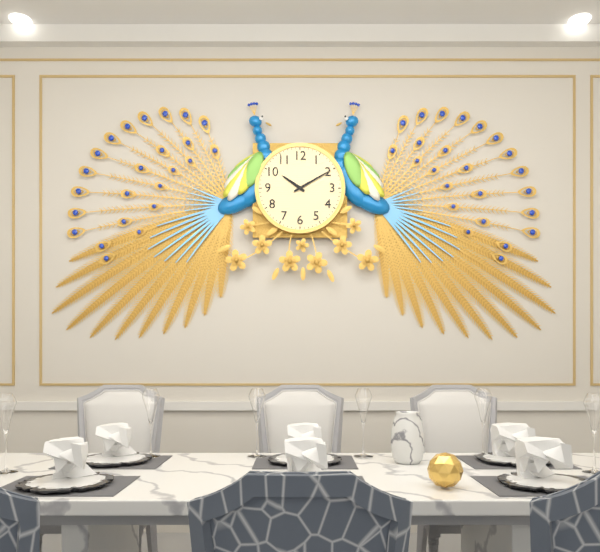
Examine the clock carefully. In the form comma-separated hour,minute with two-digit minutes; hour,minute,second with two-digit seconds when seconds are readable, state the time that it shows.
10,10
